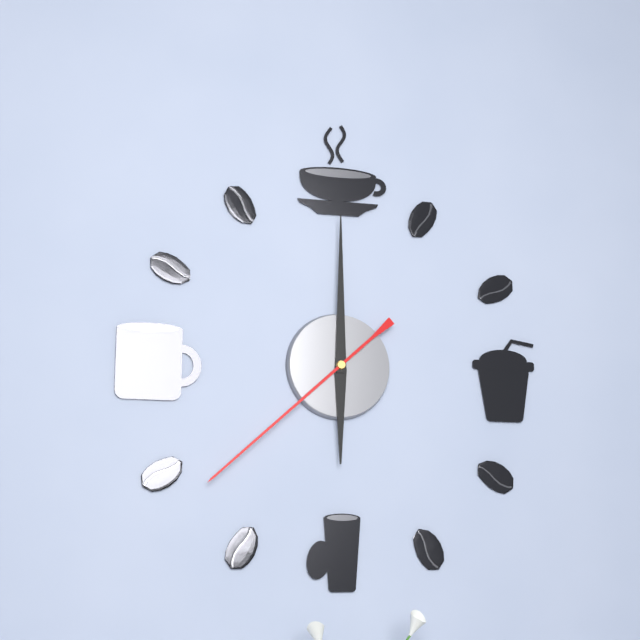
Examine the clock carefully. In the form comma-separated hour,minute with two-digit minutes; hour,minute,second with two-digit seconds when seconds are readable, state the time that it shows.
6,00,38
